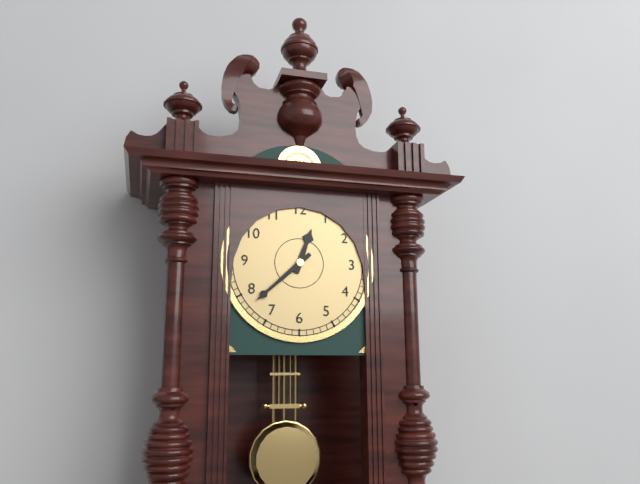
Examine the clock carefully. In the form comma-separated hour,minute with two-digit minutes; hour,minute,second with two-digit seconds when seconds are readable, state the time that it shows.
12,38
